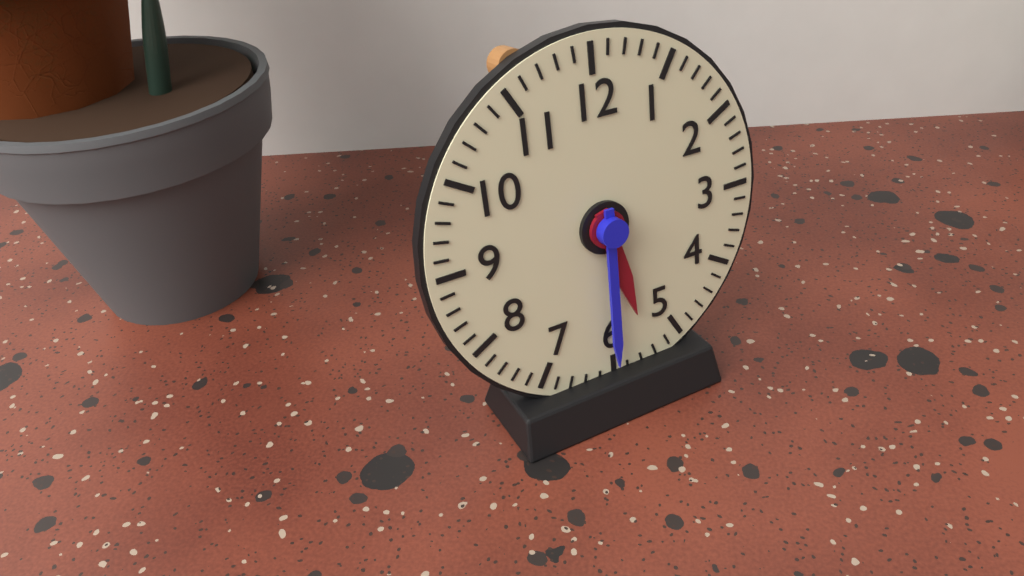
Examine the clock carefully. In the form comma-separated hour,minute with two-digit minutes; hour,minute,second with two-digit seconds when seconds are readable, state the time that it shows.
5,30
